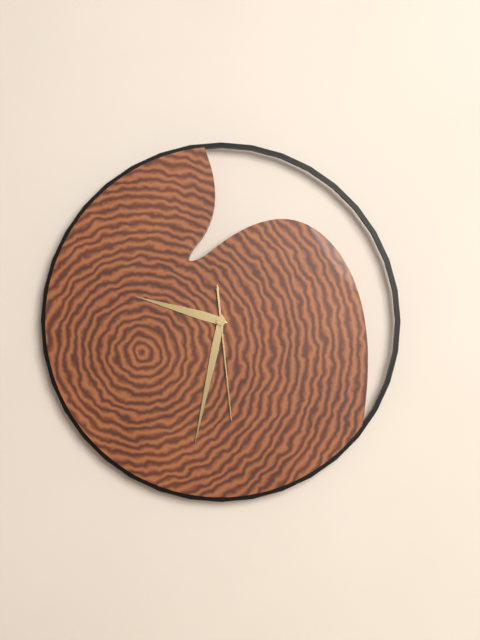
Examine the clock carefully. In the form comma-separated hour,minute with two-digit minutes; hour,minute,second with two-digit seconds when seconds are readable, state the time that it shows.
9,32,29
